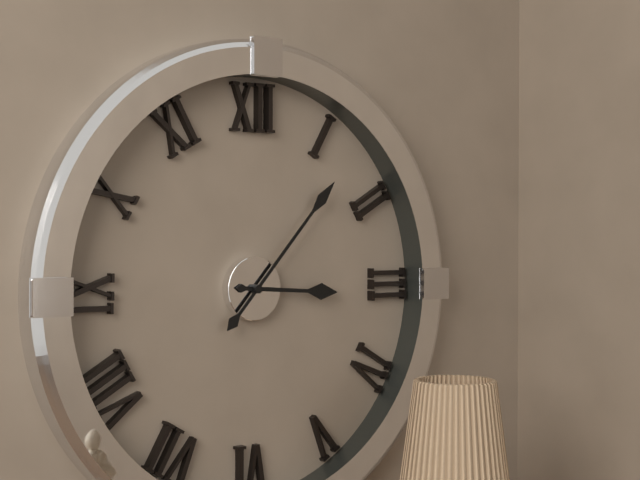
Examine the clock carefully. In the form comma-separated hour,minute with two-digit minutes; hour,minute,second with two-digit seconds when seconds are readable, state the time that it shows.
3,07
